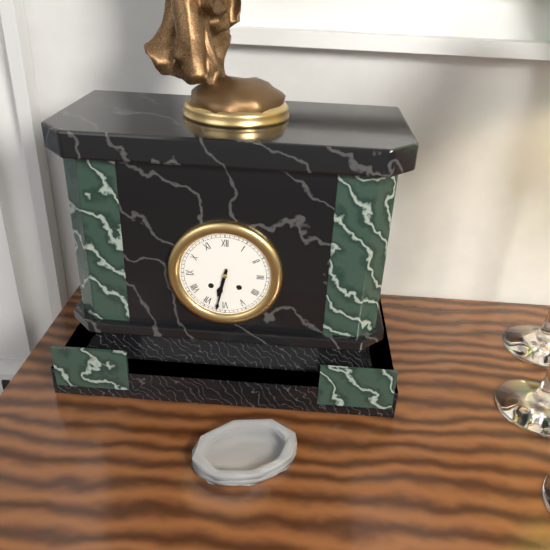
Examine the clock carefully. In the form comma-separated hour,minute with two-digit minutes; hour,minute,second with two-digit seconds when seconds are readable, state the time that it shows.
6,32
